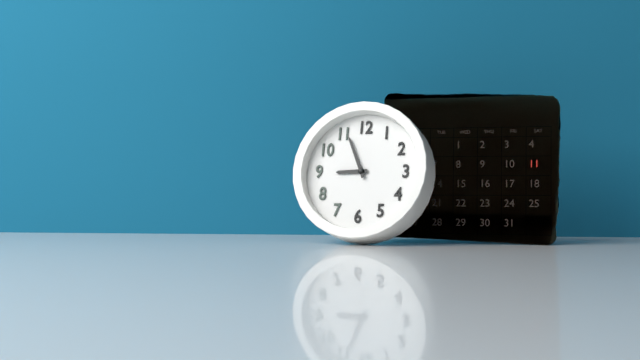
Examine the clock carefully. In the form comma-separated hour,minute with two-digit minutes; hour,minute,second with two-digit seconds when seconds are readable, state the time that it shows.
8,56
